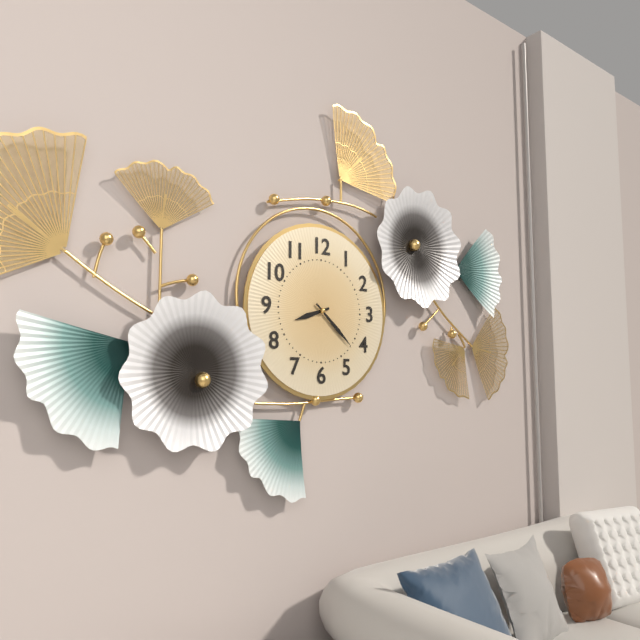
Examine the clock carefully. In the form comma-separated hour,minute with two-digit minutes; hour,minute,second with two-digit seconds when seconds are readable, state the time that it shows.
8,22
